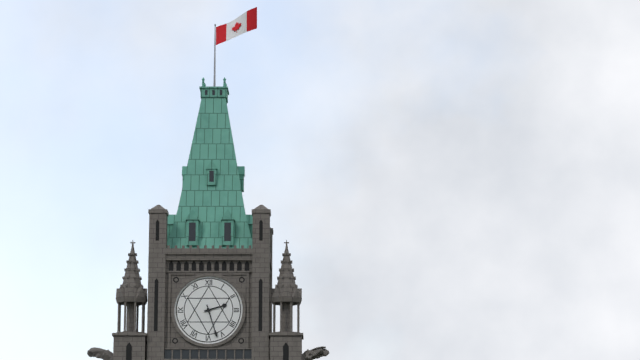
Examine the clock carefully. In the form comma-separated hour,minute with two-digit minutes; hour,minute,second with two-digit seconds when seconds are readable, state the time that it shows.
2,27
